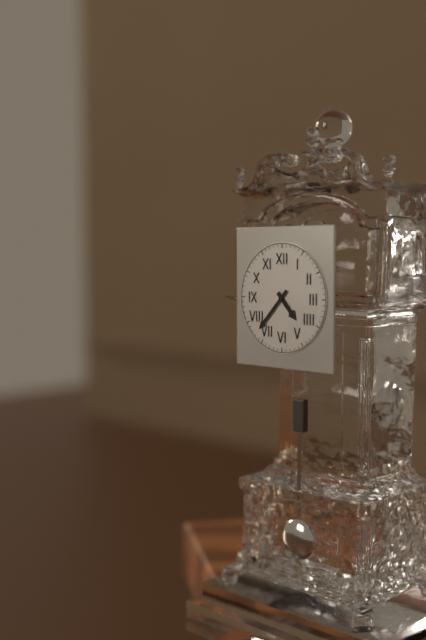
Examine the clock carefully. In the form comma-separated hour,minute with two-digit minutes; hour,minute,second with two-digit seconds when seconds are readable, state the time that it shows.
4,37
